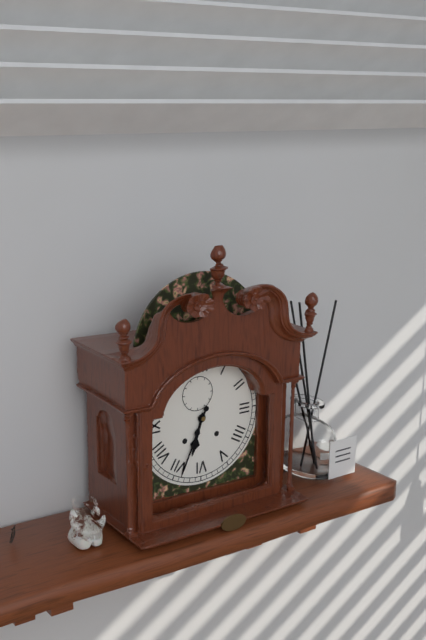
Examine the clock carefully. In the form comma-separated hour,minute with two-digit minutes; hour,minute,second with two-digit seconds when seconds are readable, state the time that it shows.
6,34
